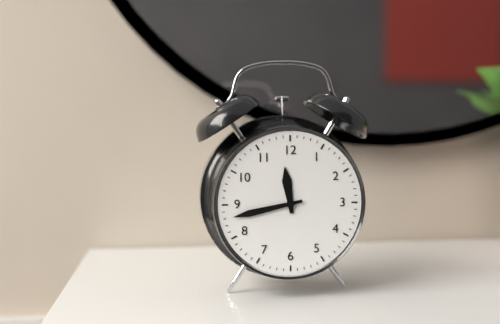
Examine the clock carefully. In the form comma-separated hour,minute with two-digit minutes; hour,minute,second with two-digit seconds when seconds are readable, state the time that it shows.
11,43
